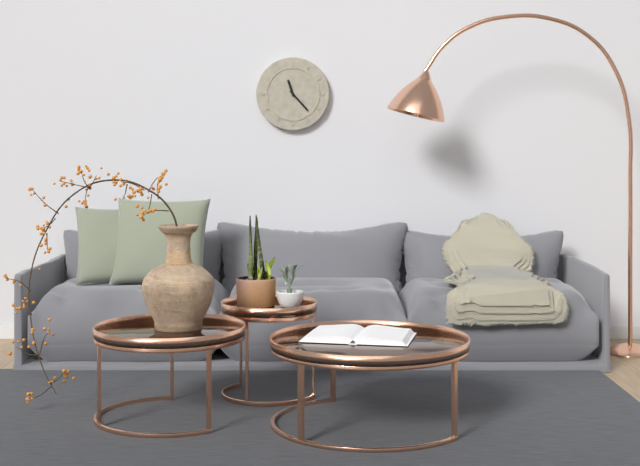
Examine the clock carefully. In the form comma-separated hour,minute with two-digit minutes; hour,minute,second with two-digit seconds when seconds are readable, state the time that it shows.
11,23
